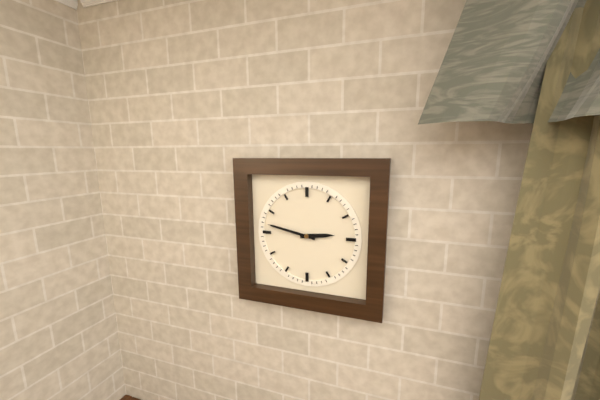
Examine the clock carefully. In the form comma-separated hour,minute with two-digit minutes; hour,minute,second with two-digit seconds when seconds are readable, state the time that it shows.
2,47
